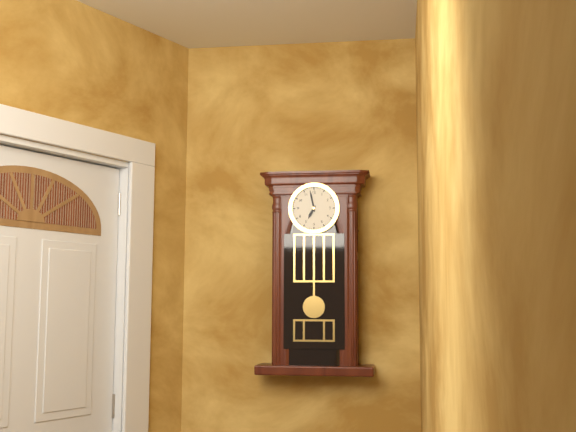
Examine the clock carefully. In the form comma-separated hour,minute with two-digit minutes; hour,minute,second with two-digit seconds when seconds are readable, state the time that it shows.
6,58
